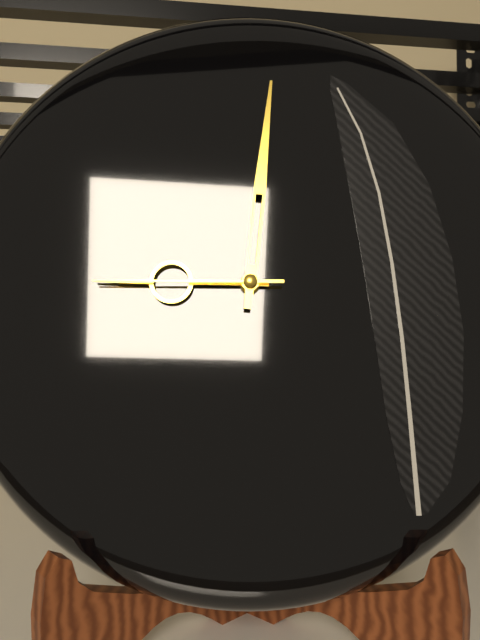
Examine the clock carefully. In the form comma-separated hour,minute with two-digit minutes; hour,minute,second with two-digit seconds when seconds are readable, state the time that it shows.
9,01,45
